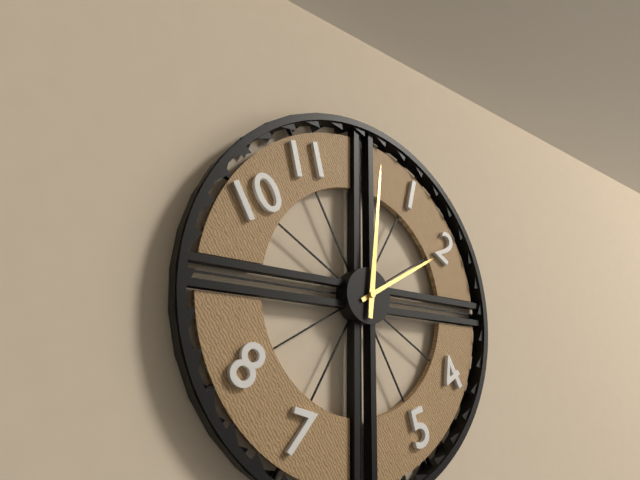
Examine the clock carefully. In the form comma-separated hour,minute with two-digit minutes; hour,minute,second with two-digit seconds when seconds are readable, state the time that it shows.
2,01
